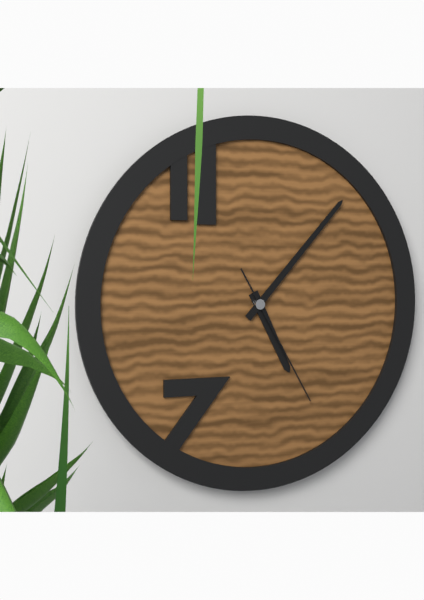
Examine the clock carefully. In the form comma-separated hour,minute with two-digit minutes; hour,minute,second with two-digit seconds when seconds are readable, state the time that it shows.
5,07,25
